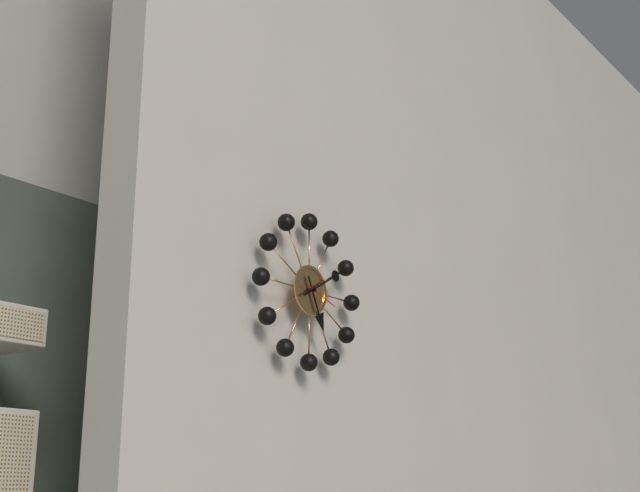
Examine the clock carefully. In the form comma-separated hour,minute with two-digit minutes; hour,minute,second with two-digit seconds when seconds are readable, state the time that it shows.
5,10
